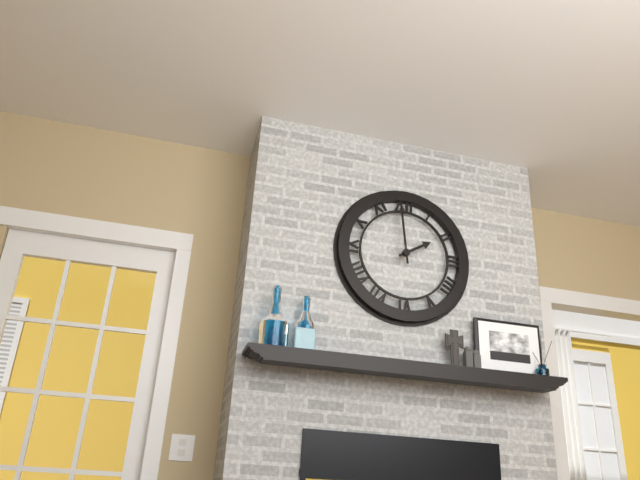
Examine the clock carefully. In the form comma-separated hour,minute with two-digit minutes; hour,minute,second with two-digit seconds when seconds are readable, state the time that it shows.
1,59
